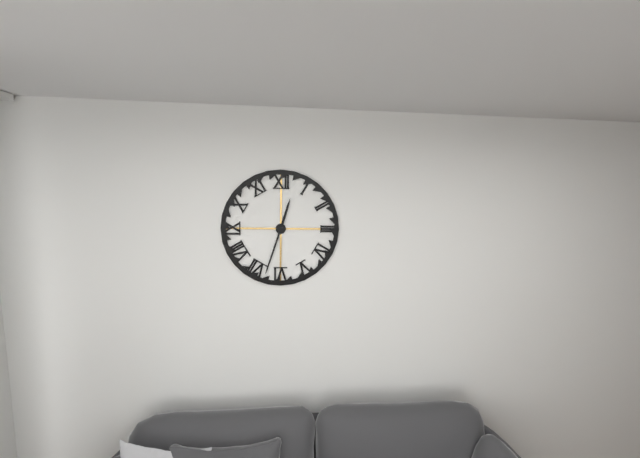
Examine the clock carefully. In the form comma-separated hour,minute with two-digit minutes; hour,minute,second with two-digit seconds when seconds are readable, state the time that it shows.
12,33
